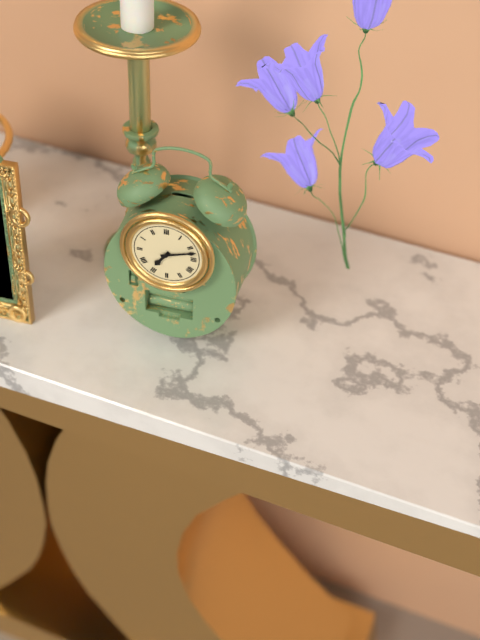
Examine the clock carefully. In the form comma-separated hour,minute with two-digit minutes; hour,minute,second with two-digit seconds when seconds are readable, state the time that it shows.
7,12
